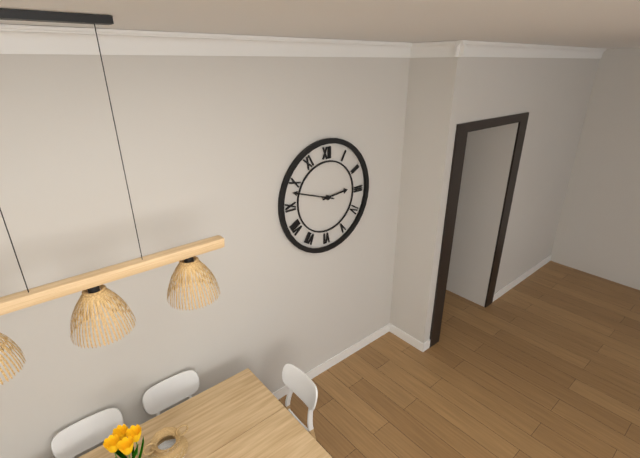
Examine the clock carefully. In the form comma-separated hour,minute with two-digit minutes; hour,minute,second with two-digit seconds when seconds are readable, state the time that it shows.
2,48
